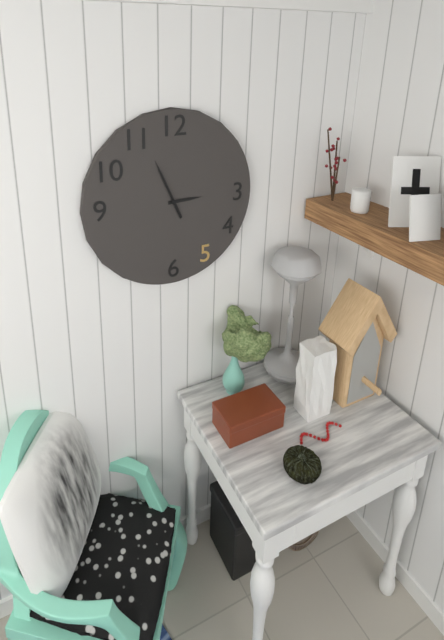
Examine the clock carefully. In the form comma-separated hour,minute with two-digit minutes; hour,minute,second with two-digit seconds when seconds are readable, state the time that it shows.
2,56
